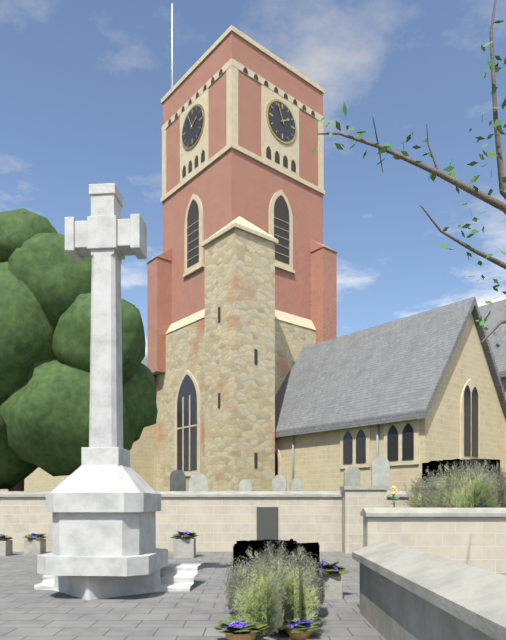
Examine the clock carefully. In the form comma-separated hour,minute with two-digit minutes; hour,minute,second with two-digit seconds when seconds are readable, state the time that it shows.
1,56
